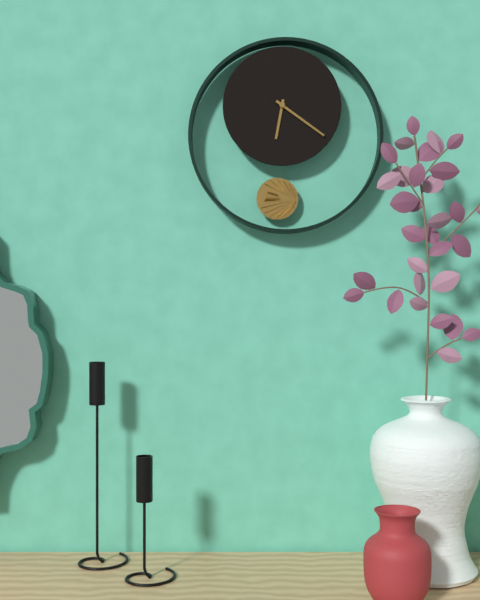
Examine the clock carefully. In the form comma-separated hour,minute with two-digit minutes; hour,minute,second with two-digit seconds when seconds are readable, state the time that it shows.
6,21
